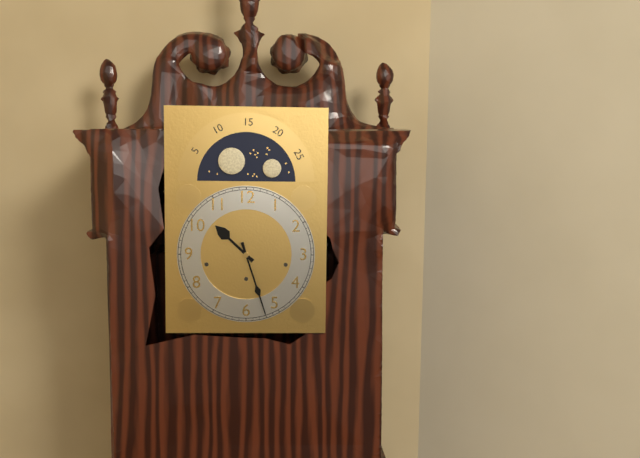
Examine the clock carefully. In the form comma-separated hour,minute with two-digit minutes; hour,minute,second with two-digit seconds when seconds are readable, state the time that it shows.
10,27
